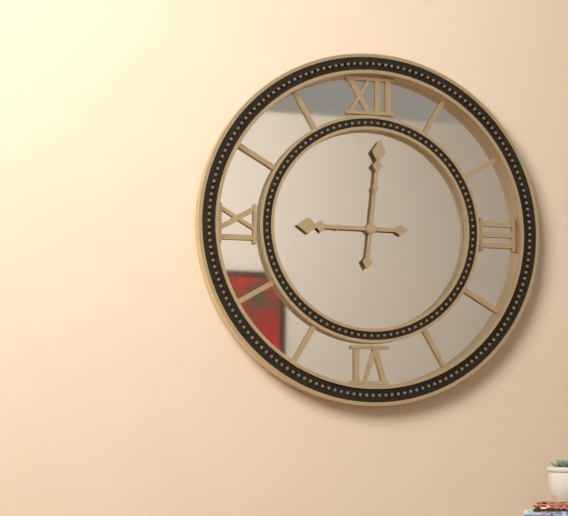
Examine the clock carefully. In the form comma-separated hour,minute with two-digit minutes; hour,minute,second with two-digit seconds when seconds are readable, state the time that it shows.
9,01
